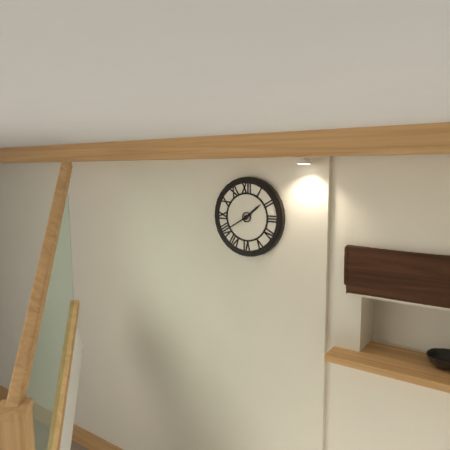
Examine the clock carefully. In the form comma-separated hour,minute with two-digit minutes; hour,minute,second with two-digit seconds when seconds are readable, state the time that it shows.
1,40
